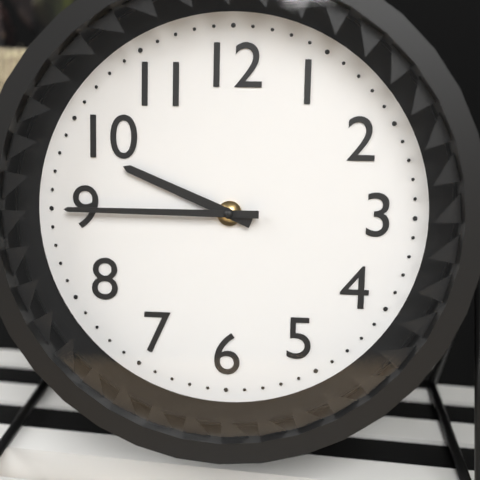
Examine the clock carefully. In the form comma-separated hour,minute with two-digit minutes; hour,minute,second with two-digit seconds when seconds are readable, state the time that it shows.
9,45
